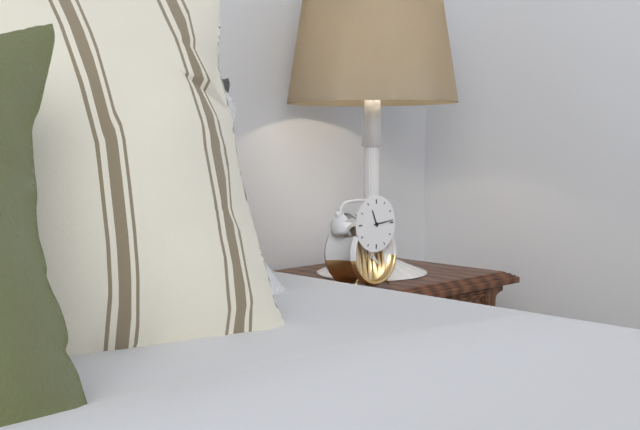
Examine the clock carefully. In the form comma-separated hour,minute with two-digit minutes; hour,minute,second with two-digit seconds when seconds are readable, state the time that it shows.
11,14
